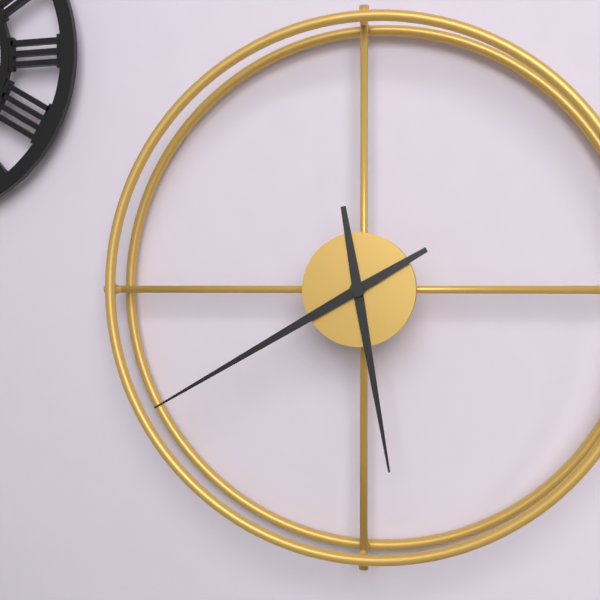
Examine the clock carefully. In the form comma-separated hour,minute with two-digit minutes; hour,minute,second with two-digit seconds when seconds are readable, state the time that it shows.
5,40
